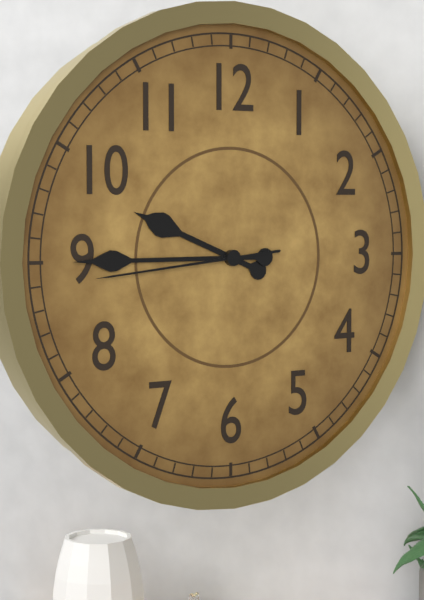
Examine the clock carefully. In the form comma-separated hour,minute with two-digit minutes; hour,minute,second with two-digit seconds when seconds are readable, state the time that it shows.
9,45,44
